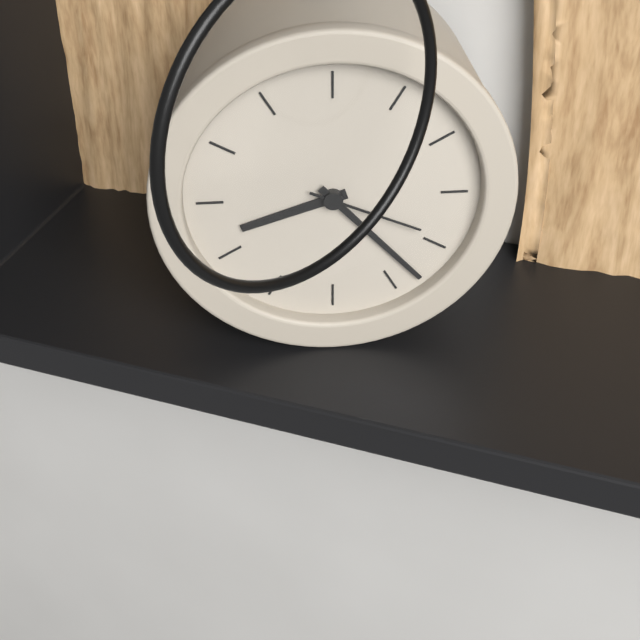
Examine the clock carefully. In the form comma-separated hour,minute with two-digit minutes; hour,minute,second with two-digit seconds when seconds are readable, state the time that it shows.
8,23,19
